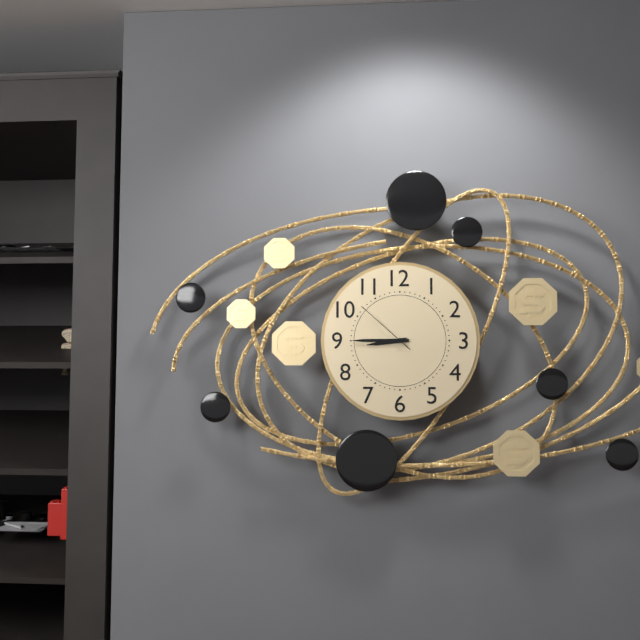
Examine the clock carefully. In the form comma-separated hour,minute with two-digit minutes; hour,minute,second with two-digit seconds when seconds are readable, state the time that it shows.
8,45,52
